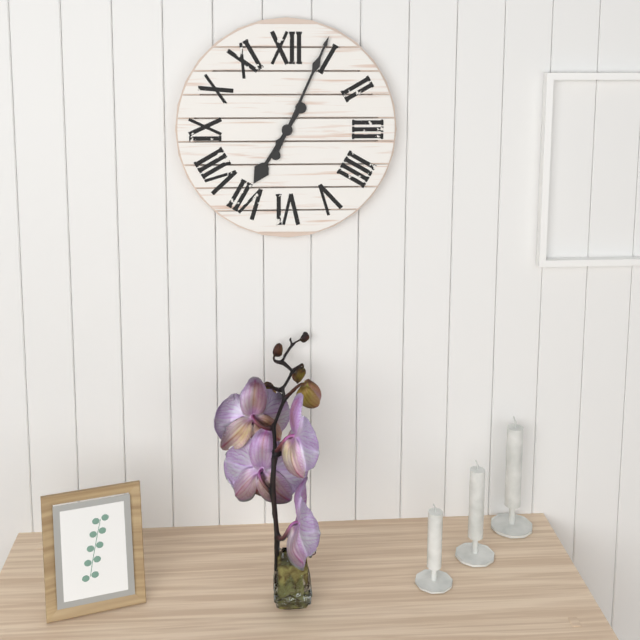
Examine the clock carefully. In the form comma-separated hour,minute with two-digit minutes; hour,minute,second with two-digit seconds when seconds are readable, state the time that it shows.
7,04
